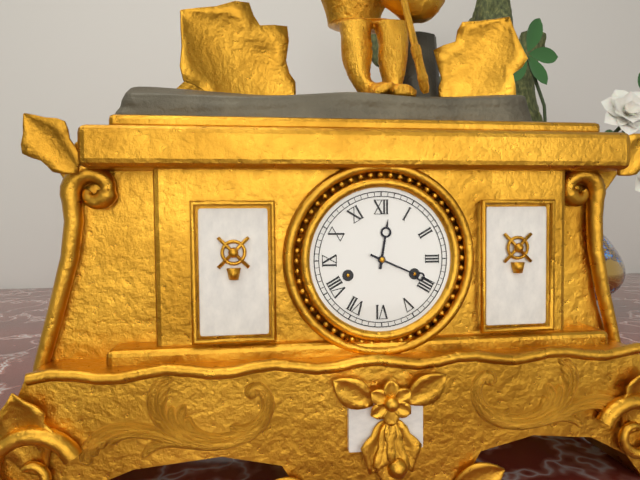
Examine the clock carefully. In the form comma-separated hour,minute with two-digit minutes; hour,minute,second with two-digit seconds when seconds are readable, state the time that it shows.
12,19
